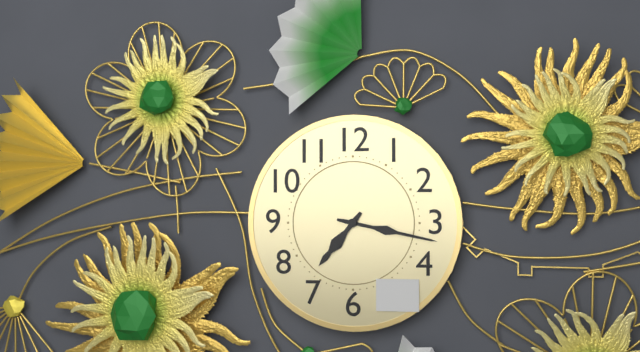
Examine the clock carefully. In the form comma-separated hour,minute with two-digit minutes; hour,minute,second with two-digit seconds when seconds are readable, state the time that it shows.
7,17
